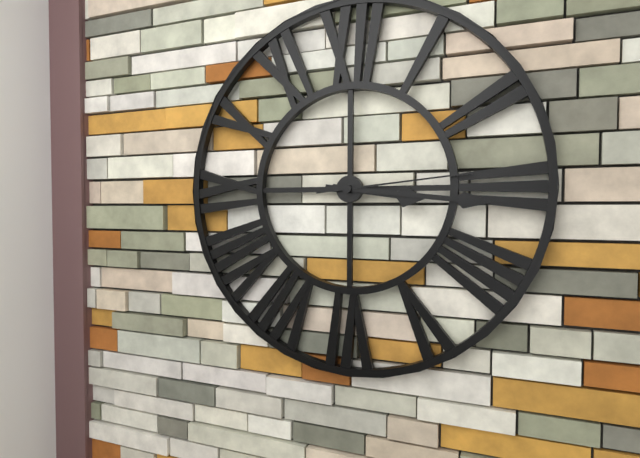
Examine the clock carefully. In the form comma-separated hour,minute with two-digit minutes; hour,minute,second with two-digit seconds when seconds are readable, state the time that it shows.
3,16,14
